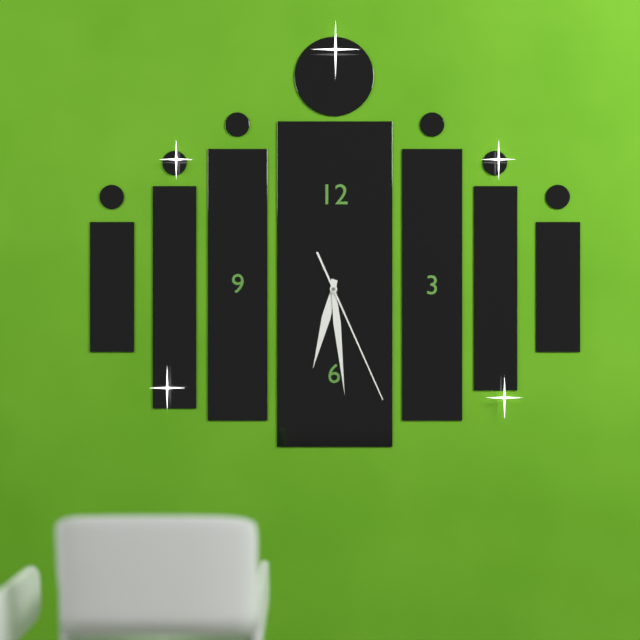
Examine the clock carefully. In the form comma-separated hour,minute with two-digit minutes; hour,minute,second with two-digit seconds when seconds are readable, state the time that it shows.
6,29,26
